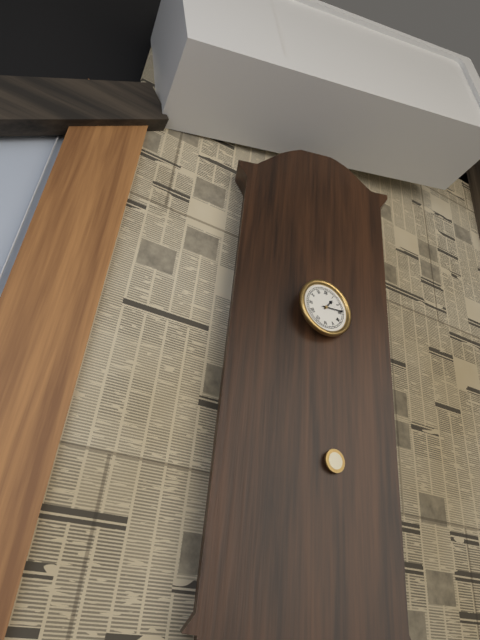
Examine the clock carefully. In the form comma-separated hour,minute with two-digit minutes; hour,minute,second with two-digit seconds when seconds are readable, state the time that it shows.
1,14
